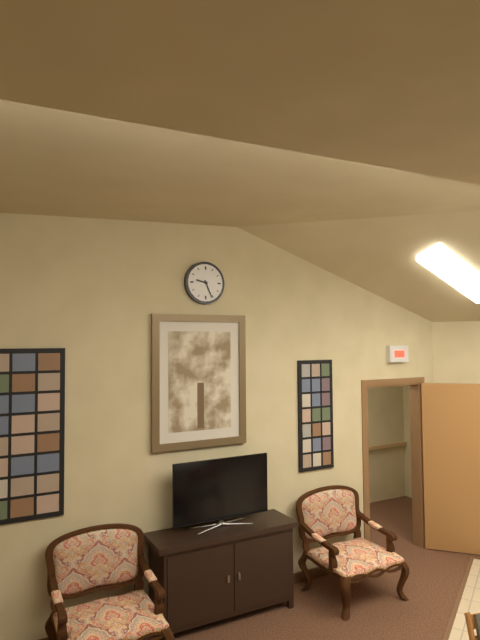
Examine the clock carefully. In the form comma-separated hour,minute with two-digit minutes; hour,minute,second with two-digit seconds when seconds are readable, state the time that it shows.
9,26
